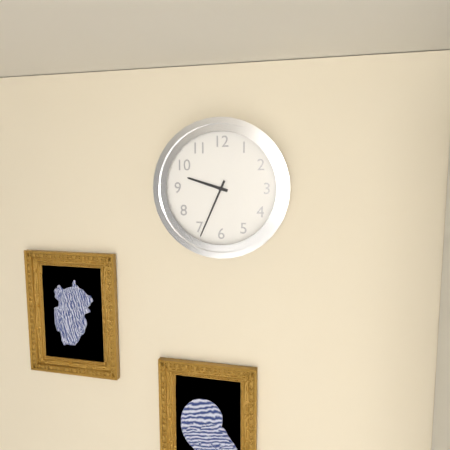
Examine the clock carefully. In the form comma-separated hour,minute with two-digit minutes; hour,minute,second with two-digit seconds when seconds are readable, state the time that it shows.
9,34
